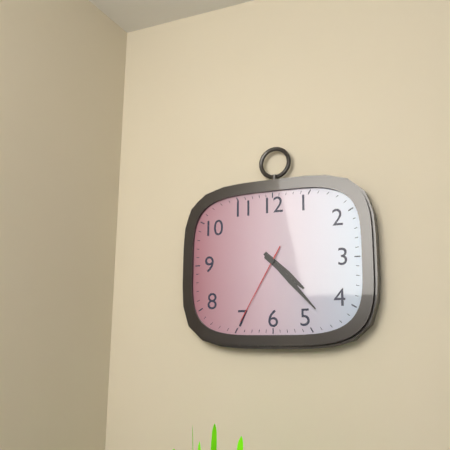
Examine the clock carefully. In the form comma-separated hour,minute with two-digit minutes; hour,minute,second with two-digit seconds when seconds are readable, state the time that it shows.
4,23,35
